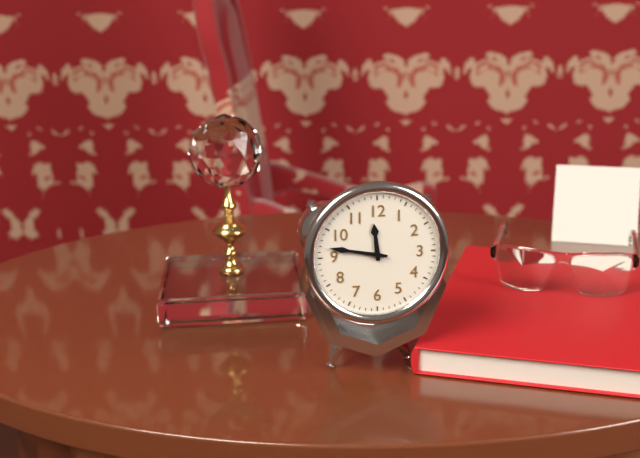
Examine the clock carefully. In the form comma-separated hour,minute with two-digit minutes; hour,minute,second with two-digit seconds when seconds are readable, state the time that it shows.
11,47
